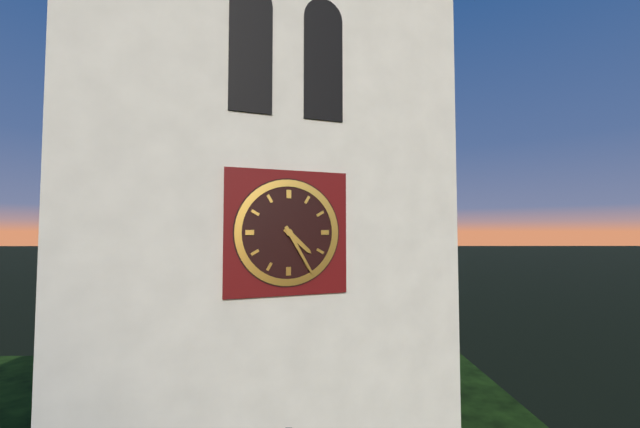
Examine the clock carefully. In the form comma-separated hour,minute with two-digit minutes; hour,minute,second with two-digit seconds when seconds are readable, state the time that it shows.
4,25
